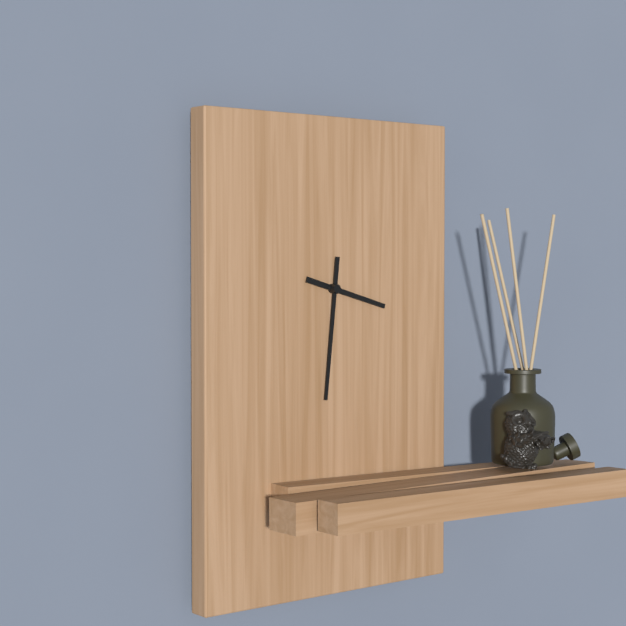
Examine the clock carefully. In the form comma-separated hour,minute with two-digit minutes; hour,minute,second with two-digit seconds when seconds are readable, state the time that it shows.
3,31
